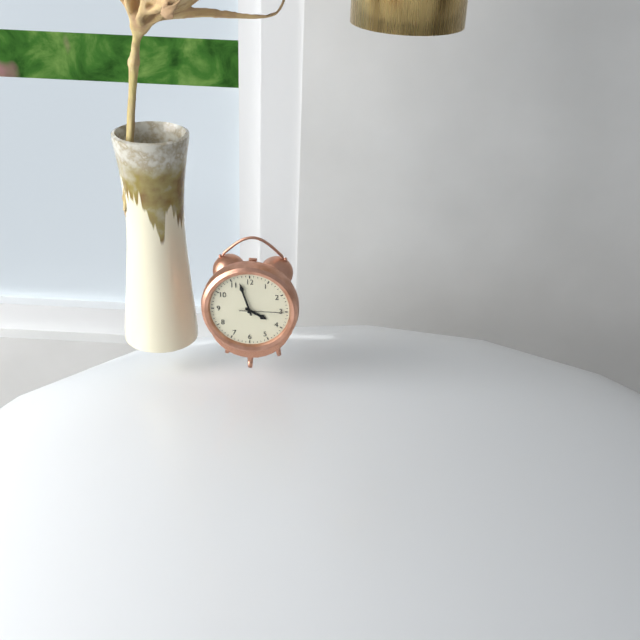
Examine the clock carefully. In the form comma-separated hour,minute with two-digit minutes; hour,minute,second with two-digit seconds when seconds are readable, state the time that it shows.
3,57
